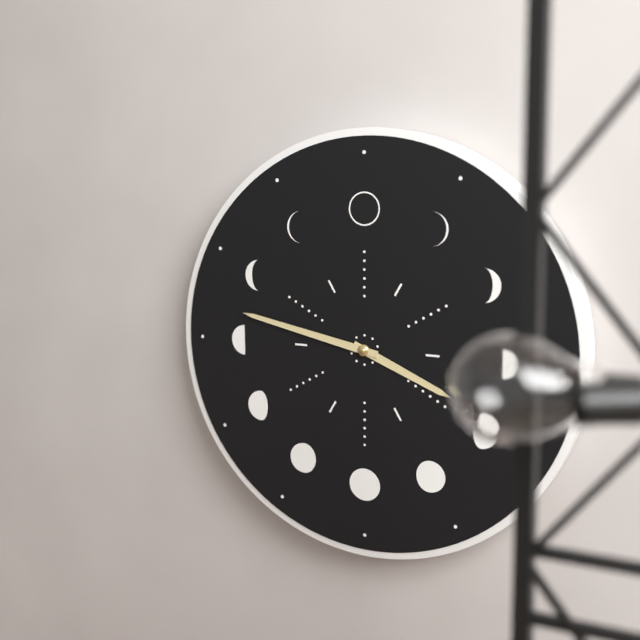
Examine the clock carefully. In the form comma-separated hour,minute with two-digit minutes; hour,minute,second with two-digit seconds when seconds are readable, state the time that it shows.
3,47
